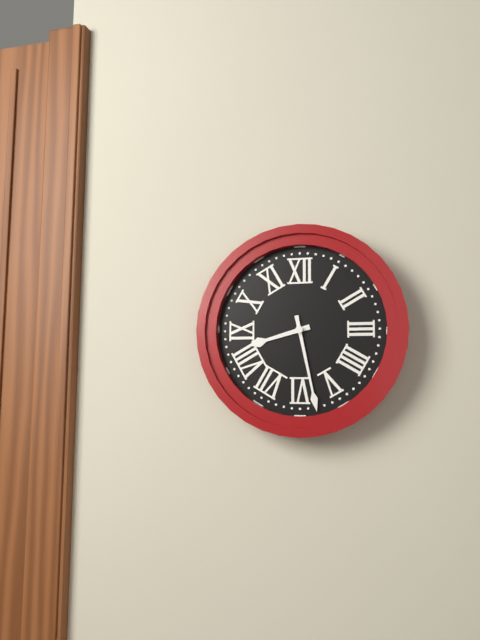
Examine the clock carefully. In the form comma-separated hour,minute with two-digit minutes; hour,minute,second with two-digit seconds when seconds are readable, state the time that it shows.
8,28
